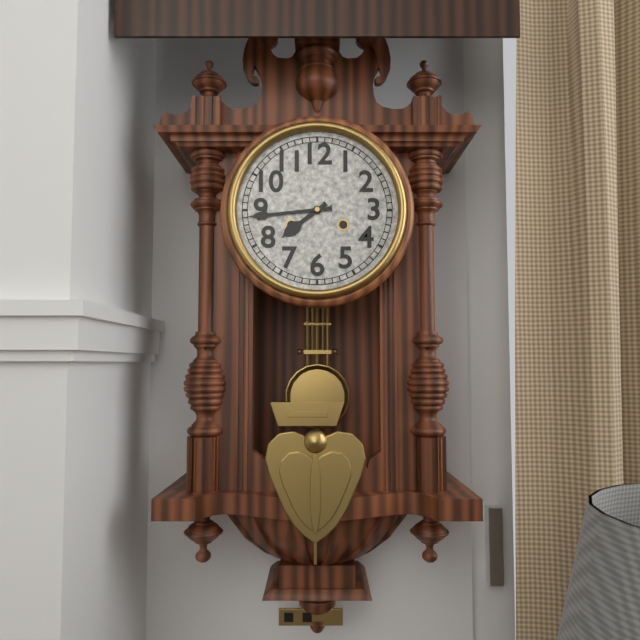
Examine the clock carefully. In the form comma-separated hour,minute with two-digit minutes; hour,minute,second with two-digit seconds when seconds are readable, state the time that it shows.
7,44
